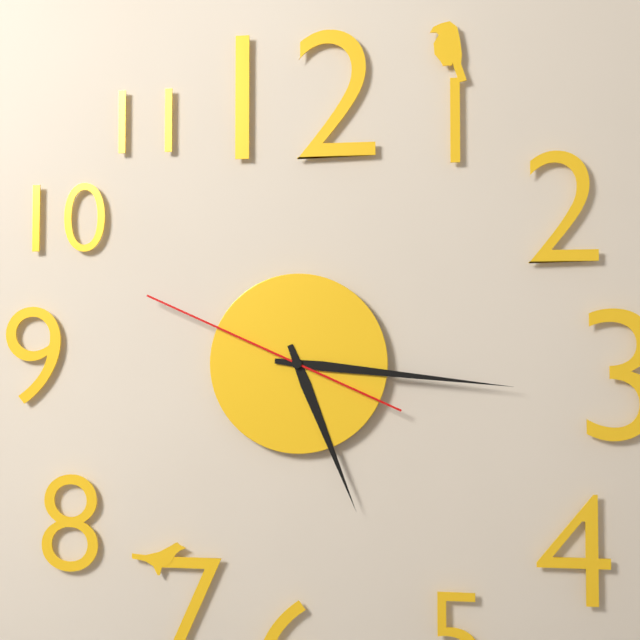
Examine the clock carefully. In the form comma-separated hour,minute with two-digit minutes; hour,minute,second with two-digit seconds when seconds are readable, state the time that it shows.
5,16,49
